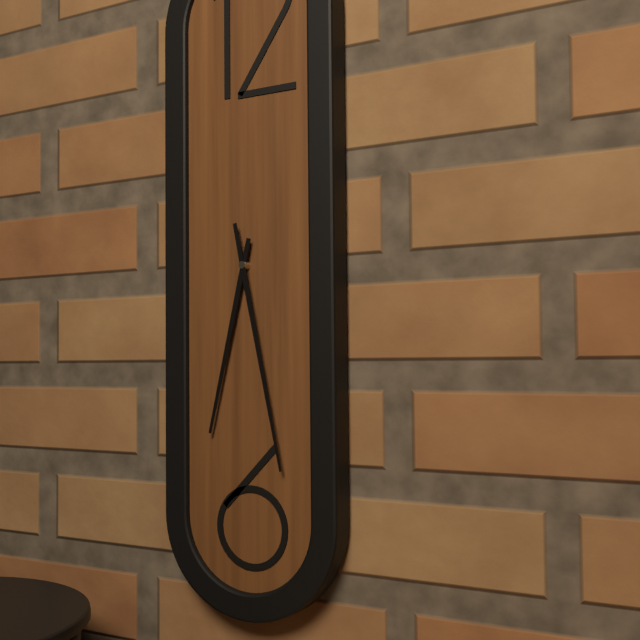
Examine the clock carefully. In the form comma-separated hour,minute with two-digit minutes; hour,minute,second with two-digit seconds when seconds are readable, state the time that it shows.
6,28
